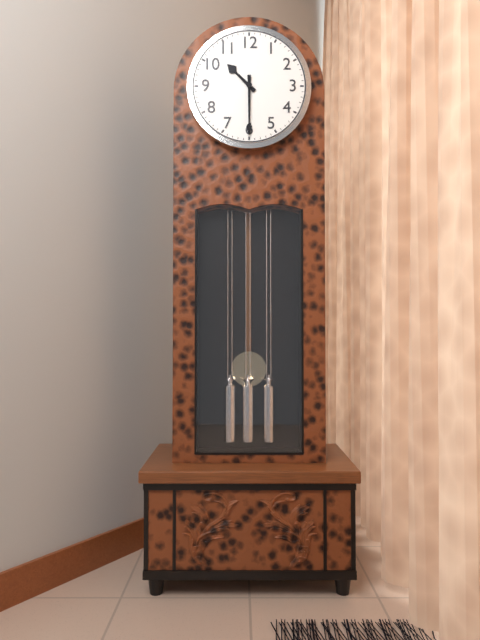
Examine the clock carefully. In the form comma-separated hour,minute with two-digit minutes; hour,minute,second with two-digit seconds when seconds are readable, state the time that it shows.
10,30
